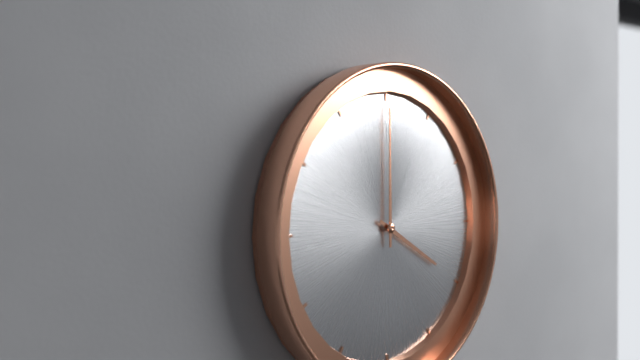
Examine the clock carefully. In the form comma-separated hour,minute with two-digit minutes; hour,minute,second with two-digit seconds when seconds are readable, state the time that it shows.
4,00
